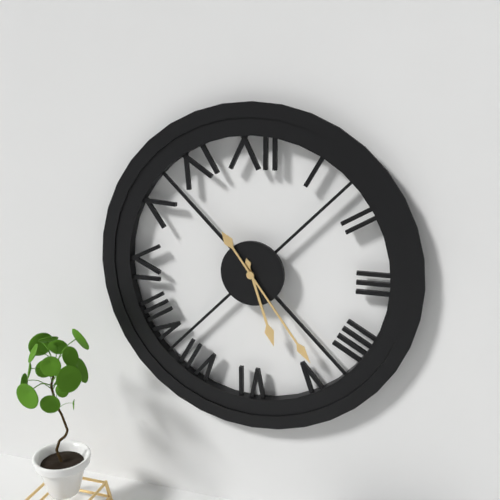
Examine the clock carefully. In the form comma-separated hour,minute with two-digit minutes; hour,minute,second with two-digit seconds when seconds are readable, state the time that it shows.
5,24
